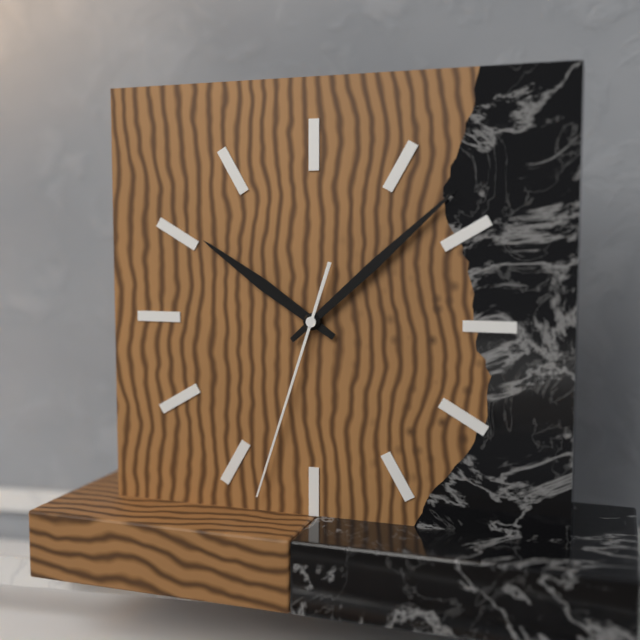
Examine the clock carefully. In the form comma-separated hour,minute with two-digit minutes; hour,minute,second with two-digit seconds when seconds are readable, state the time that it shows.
10,08,33
